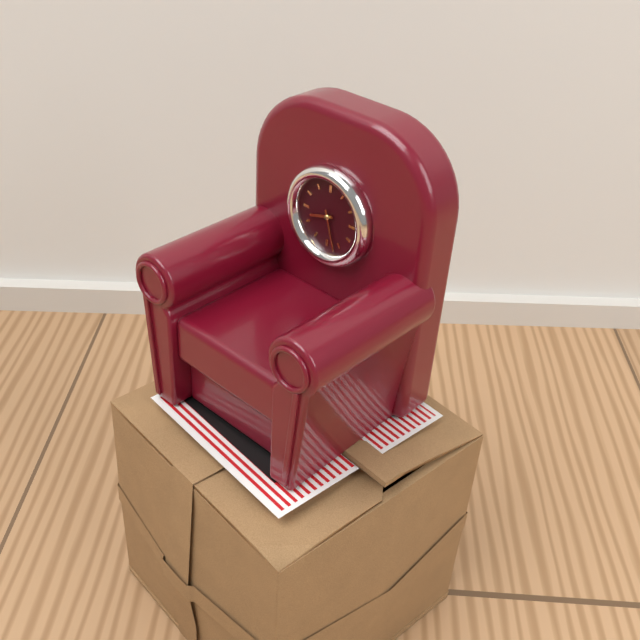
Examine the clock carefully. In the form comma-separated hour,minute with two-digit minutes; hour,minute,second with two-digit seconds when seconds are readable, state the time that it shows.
8,27
